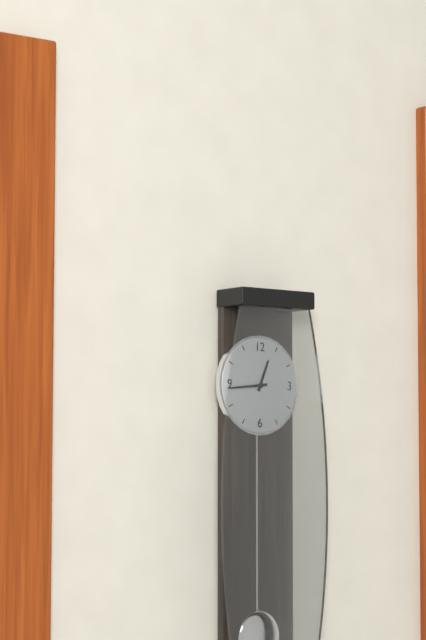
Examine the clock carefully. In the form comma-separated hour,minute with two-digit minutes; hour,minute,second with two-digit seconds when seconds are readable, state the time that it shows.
12,44
